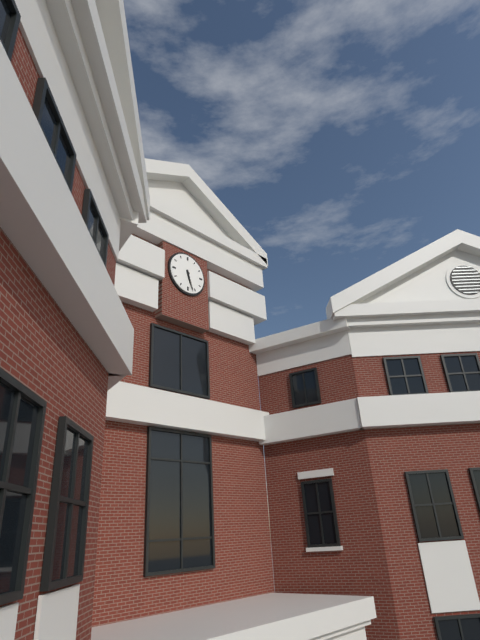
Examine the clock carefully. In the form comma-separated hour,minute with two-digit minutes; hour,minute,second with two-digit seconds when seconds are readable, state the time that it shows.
5,27
